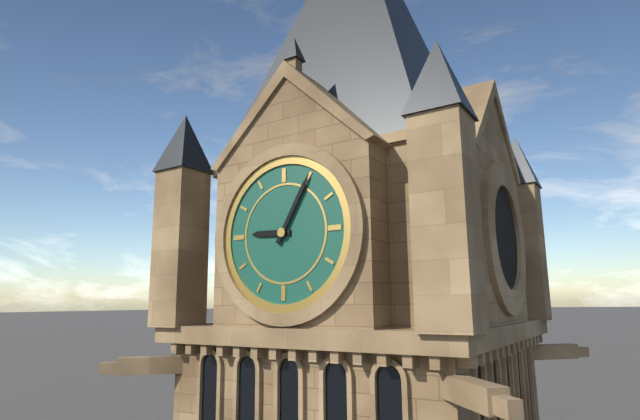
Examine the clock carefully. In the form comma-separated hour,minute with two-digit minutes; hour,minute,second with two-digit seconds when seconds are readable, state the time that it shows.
9,05
